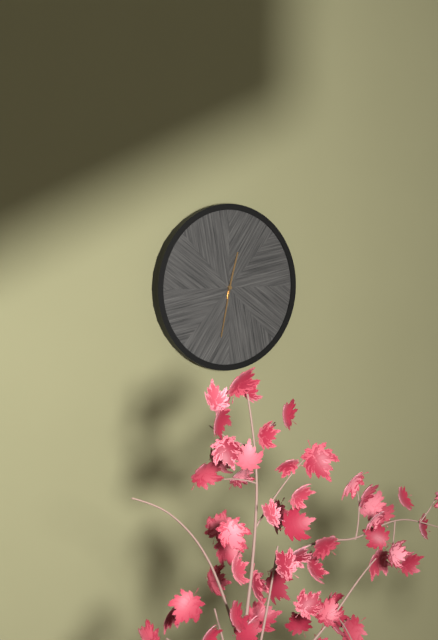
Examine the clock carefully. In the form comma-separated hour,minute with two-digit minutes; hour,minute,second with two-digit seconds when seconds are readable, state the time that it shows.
12,32
